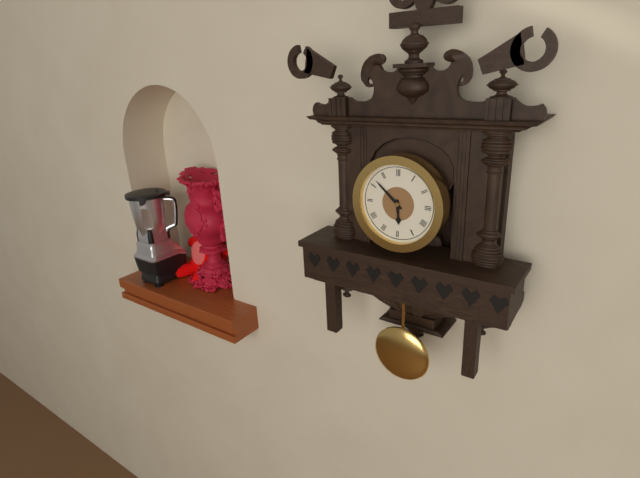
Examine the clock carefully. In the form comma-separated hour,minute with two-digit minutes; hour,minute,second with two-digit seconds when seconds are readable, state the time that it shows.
5,52
